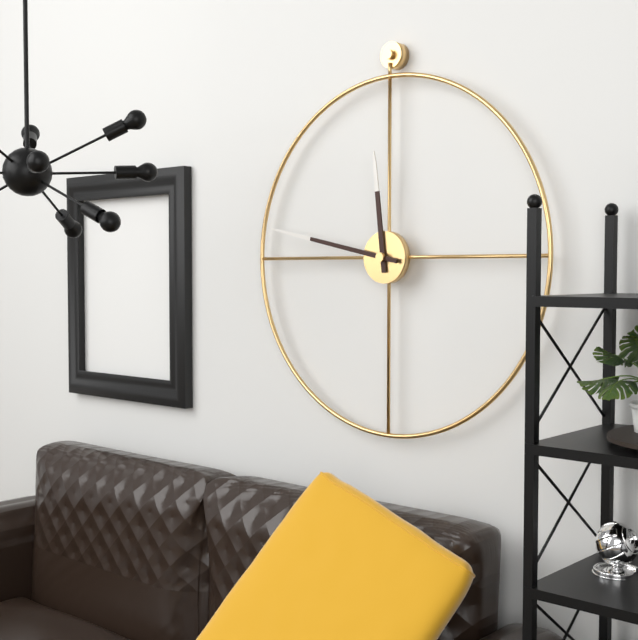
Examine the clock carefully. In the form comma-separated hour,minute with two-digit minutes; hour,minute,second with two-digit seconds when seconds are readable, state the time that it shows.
11,47
